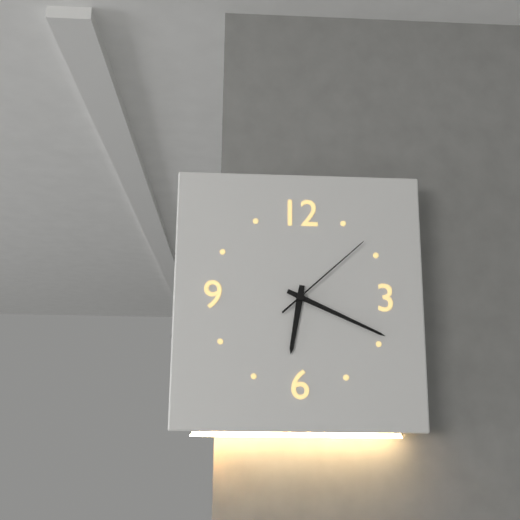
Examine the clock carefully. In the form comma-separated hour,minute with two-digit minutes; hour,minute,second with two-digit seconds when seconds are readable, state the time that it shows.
6,19,08
